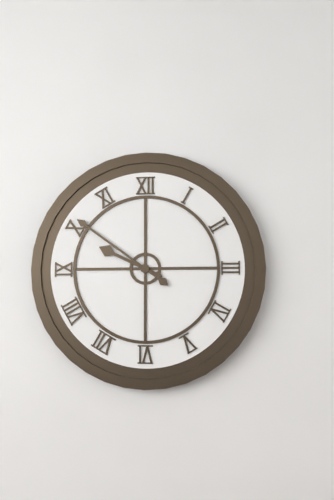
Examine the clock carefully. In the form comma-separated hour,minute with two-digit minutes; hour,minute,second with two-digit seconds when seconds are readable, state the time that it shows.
9,51
